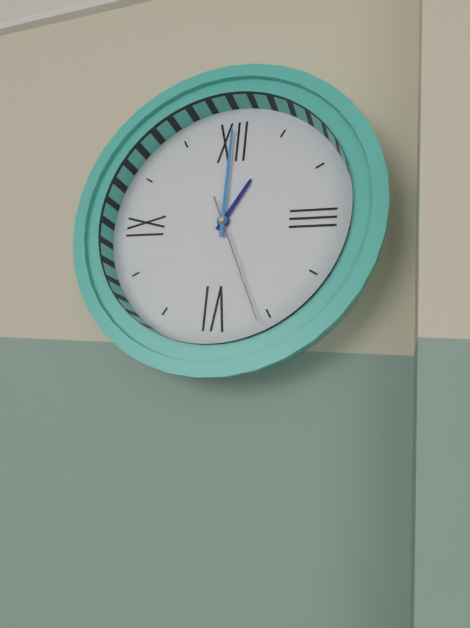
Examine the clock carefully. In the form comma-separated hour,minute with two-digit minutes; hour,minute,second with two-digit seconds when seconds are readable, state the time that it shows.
1,00,26
